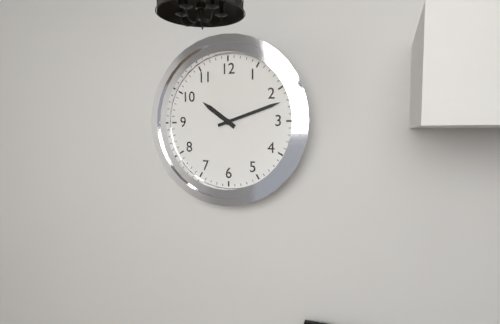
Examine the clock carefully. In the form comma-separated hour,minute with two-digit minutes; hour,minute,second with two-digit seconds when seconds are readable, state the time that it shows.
10,12
